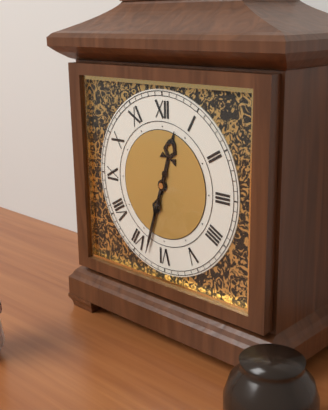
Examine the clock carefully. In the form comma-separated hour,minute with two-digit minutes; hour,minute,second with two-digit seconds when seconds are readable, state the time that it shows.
12,33
